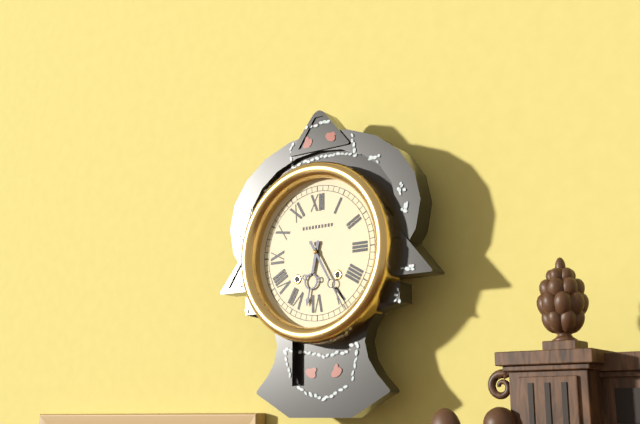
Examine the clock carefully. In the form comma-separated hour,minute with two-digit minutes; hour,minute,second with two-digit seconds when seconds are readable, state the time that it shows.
6,25
